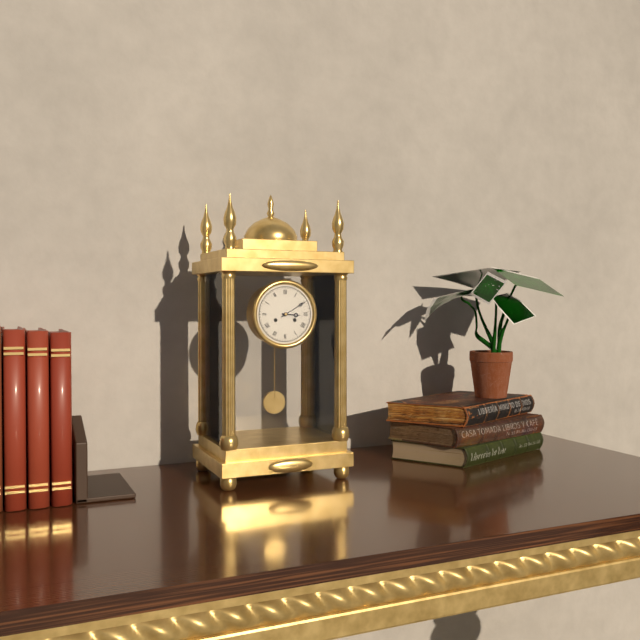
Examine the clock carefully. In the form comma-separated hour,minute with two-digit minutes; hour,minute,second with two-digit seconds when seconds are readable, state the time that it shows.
3,10
